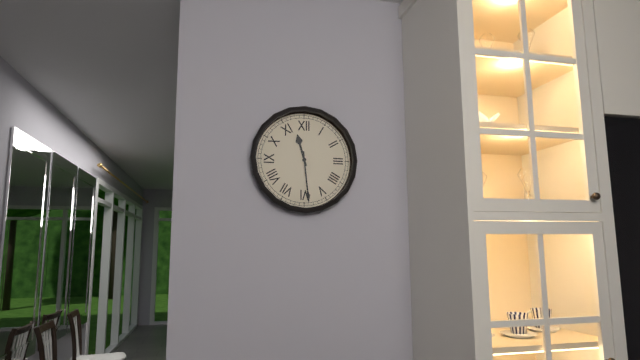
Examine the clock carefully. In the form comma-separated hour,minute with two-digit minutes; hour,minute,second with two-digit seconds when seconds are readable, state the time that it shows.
11,29
